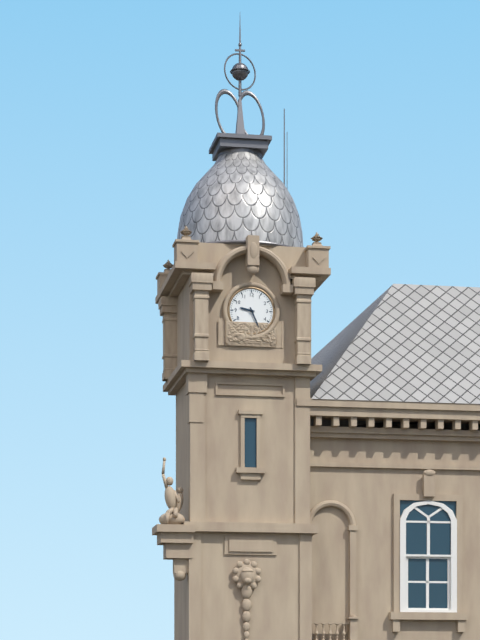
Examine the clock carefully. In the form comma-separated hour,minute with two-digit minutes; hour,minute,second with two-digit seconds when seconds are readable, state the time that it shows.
9,26
